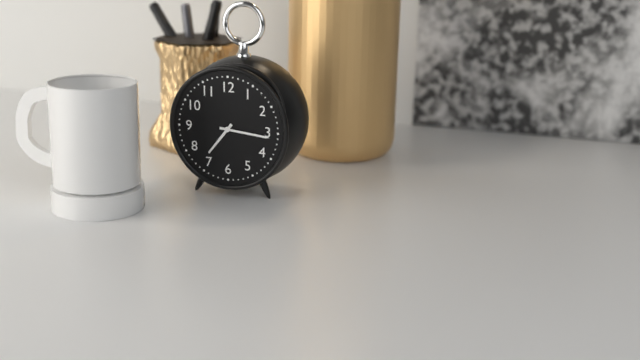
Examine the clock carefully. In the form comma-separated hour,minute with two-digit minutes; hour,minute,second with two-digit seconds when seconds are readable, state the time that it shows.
7,16
